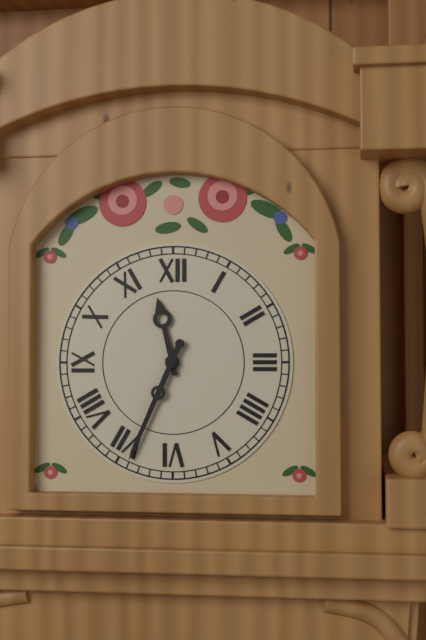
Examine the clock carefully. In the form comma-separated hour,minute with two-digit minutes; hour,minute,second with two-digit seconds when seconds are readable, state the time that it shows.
11,34
